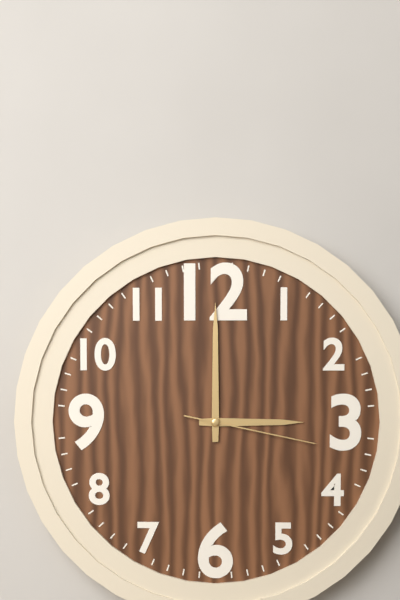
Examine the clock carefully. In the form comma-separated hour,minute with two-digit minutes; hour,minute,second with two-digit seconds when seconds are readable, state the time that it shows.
3,00,17
